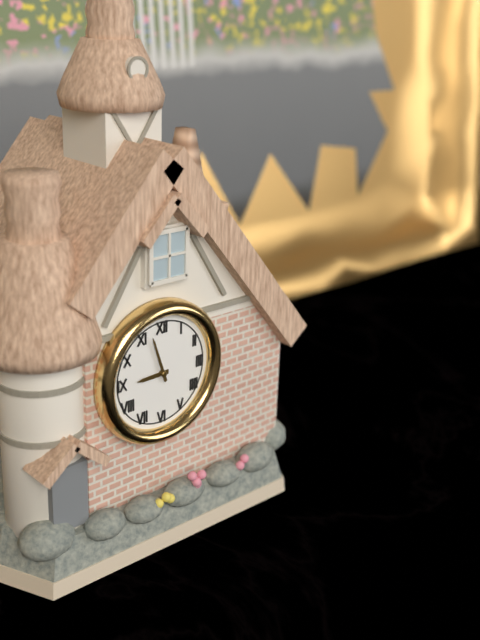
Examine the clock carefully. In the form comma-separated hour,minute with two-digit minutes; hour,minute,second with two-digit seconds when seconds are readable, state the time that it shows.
8,57
